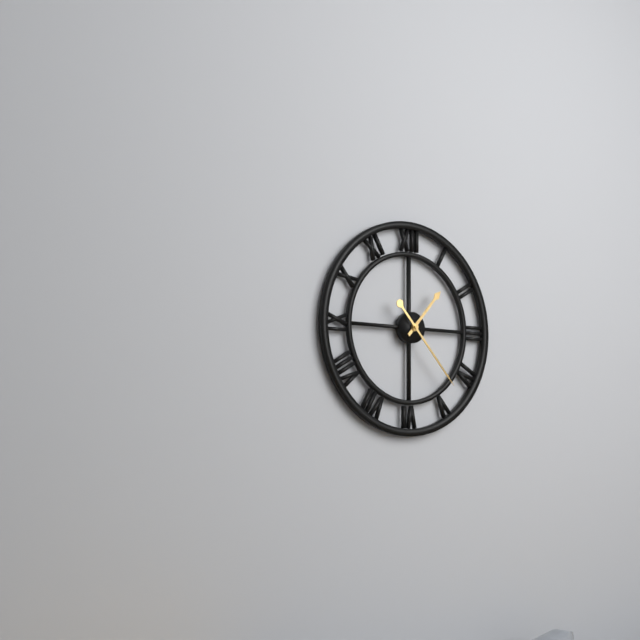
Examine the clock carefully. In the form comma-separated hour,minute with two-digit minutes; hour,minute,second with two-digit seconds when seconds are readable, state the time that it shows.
1,23
